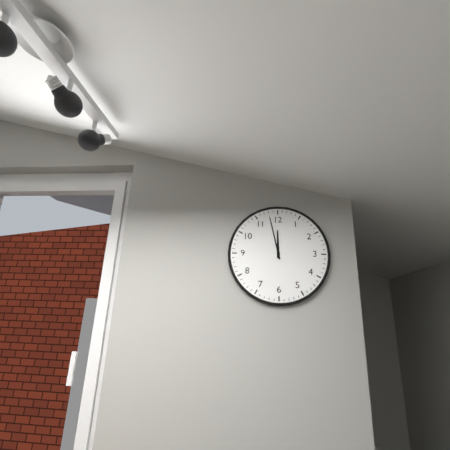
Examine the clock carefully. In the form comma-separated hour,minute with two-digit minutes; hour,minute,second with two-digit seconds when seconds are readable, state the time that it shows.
11,58
